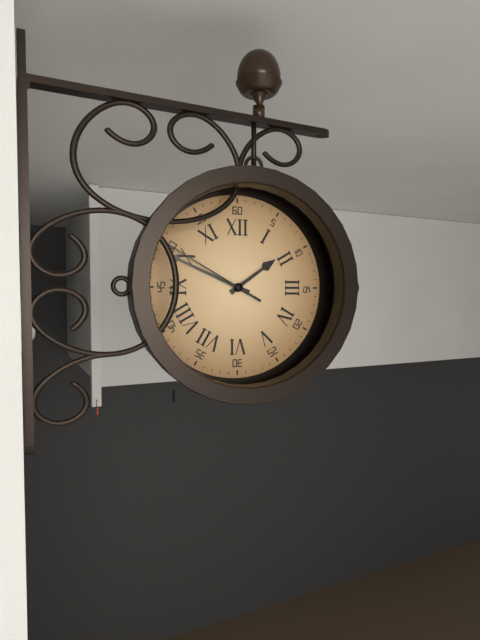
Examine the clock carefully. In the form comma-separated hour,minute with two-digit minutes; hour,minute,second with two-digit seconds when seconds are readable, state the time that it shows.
1,49,50
